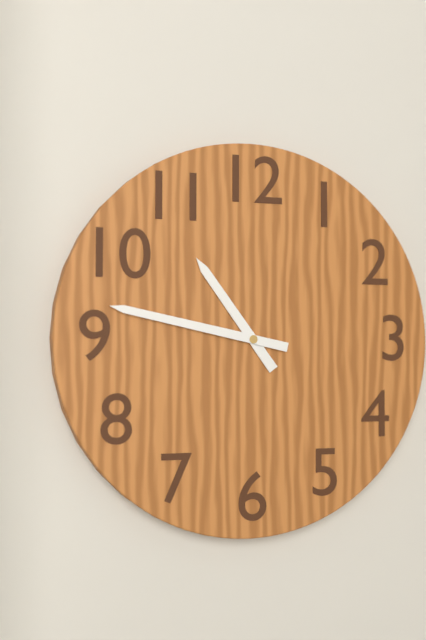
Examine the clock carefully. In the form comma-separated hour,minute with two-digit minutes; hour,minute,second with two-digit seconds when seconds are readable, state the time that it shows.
10,47
